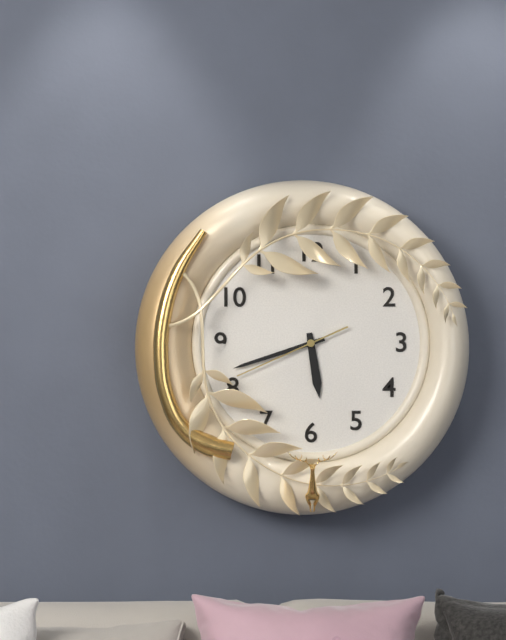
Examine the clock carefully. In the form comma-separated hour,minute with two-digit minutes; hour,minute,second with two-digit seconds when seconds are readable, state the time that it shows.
5,42,41
